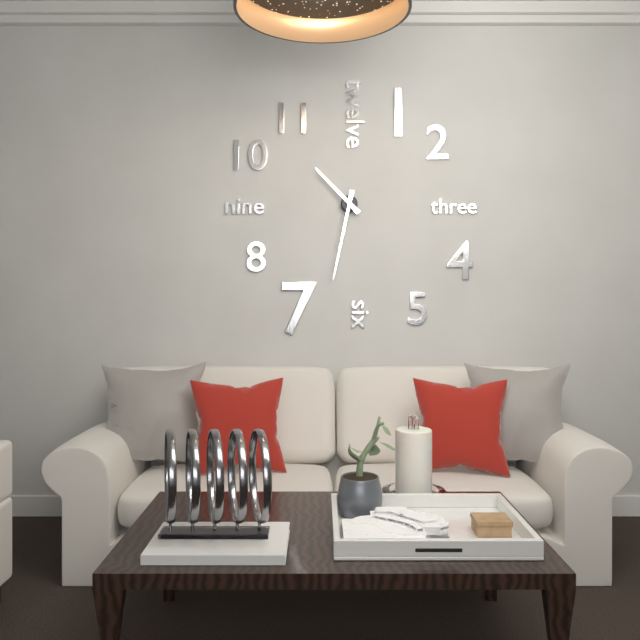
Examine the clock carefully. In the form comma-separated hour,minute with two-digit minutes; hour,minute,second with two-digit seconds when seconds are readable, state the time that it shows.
10,32
